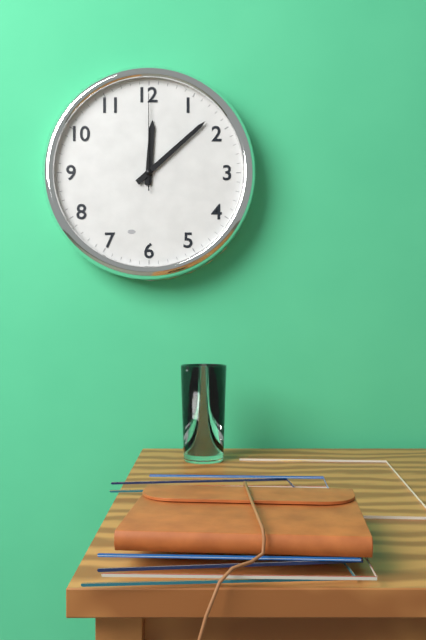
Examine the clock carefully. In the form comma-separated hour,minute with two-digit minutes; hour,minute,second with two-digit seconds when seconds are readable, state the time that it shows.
12,08,00
